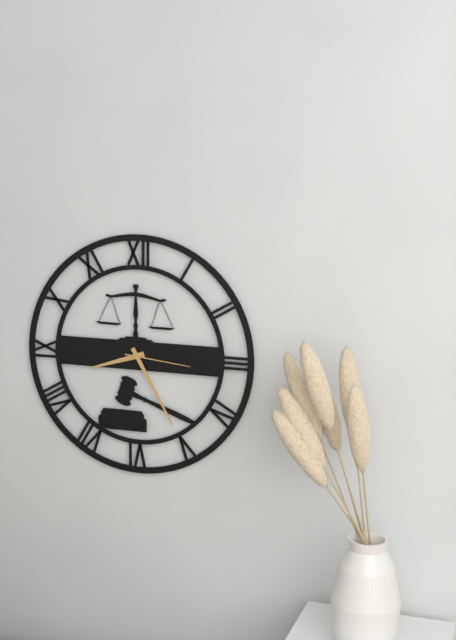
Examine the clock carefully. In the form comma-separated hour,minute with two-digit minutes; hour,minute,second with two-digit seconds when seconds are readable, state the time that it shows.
8,25,16
